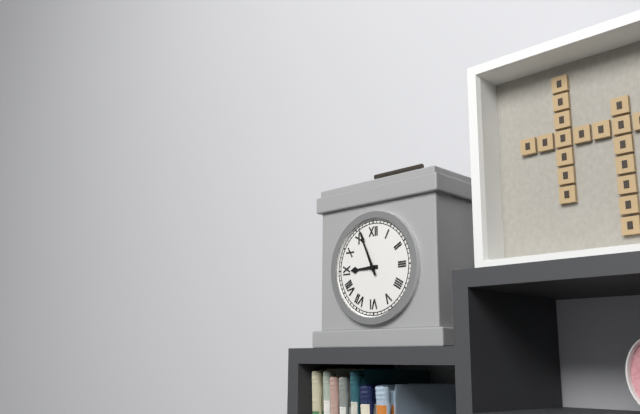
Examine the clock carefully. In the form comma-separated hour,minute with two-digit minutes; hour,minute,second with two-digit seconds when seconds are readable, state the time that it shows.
8,56
